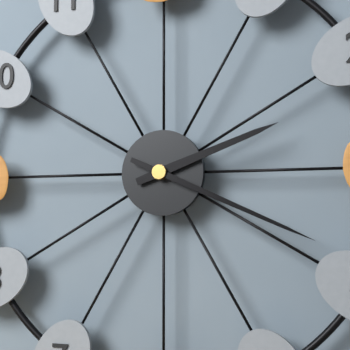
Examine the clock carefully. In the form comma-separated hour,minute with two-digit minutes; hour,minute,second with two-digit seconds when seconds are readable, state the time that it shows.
2,19
